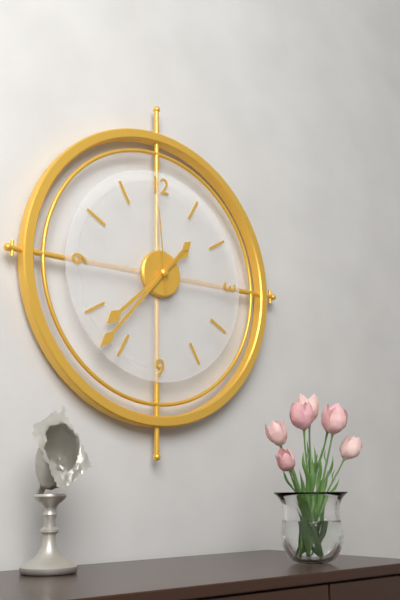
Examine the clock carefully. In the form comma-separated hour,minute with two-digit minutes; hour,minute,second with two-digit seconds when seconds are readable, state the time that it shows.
7,37,59
